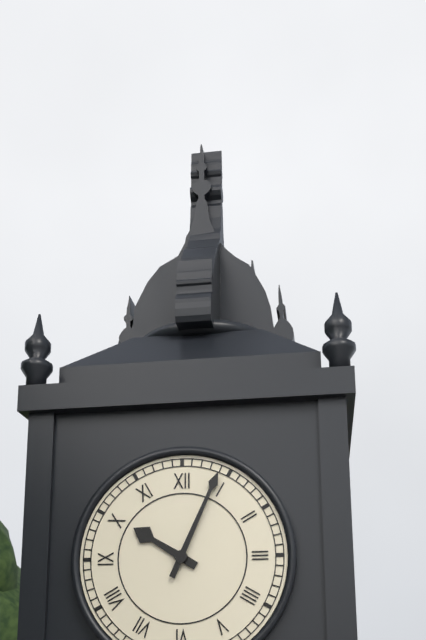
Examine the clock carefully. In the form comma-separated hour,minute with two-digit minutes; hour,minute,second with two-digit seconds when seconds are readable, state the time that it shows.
10,04
